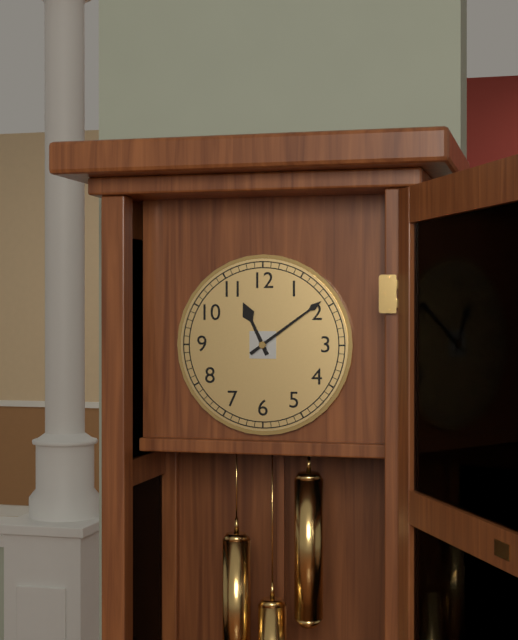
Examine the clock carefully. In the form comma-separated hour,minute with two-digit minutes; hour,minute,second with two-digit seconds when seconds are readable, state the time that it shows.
11,09
